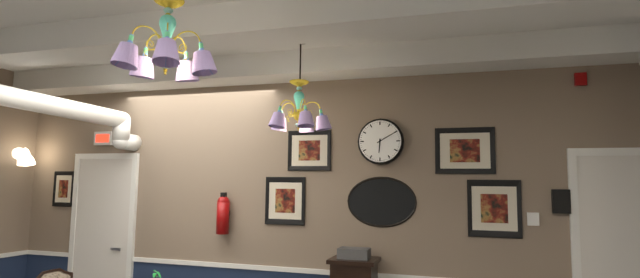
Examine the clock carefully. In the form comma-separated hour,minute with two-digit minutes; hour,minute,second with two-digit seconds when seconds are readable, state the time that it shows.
6,10
